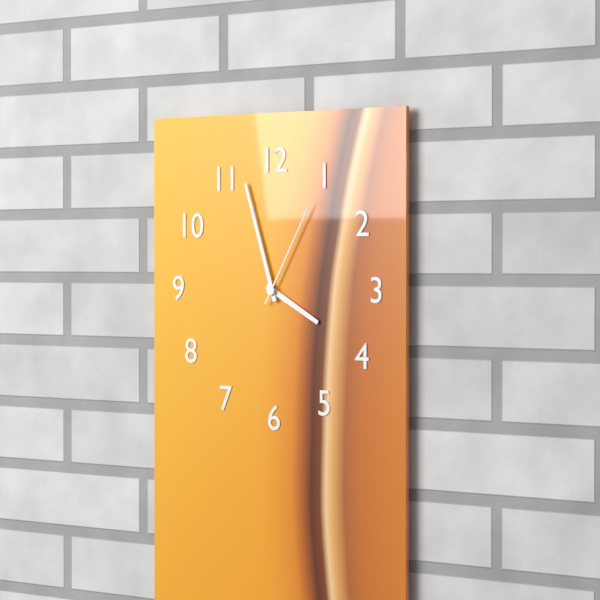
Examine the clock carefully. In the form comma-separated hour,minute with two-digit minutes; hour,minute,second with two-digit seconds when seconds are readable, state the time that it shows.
3,57,05
